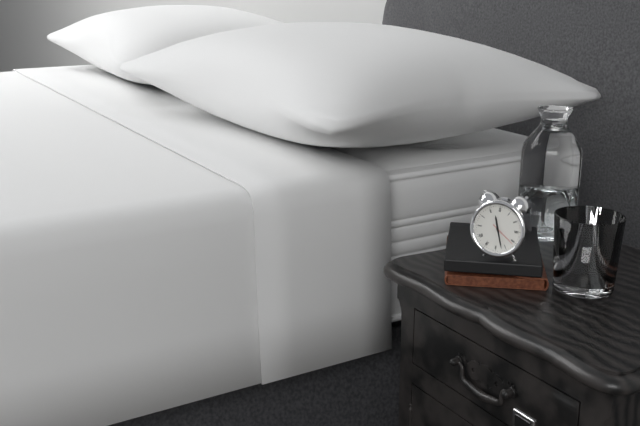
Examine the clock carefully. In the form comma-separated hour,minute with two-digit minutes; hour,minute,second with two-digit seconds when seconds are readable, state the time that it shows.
11,27
